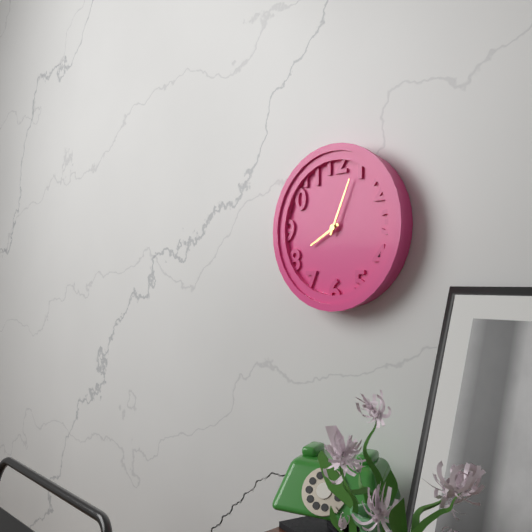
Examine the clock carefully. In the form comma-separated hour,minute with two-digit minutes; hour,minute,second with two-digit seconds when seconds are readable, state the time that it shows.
8,04
